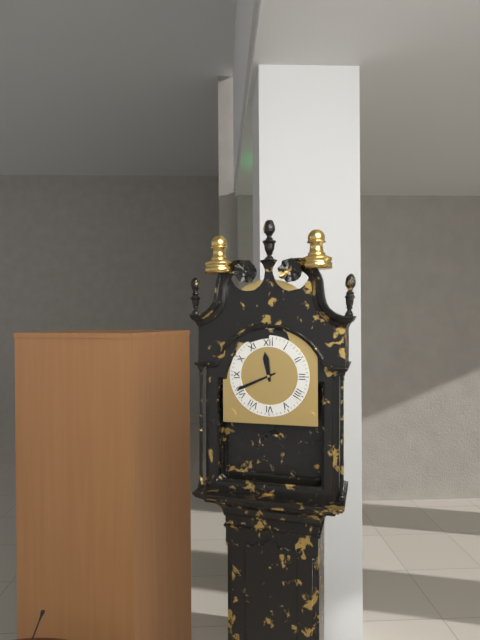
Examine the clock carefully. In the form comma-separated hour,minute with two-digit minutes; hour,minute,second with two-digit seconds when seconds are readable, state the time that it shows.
11,41
